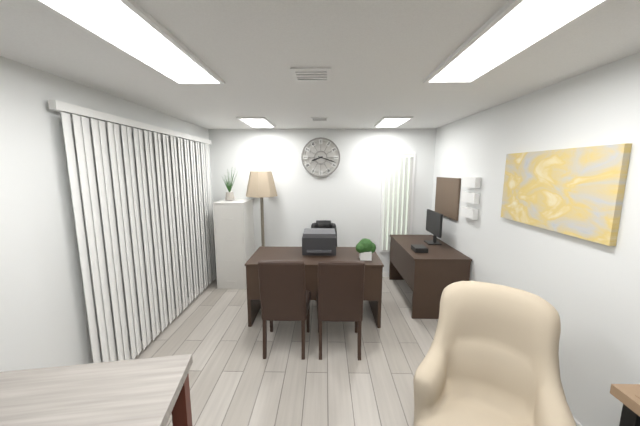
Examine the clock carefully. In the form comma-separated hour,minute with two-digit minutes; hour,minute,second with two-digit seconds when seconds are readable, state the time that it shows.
8,18
